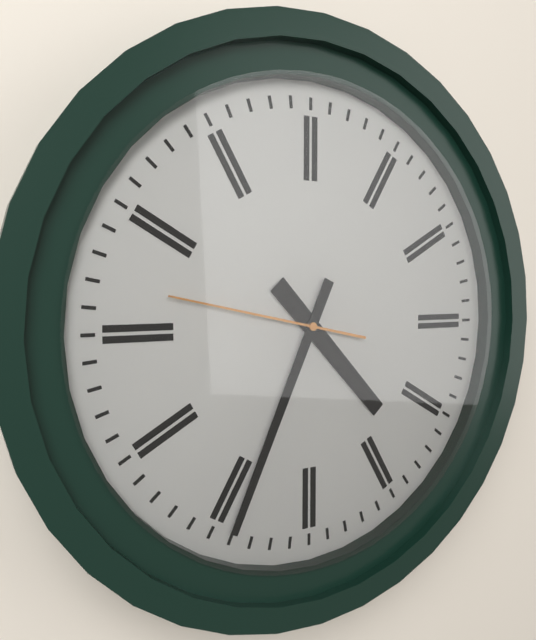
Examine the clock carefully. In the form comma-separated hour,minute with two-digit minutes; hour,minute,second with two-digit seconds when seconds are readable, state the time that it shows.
4,34,47
